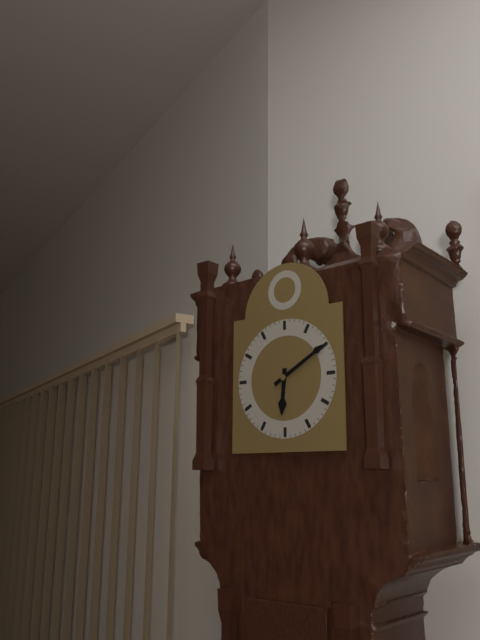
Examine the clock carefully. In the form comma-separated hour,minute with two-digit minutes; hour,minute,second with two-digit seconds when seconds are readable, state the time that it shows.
6,10
